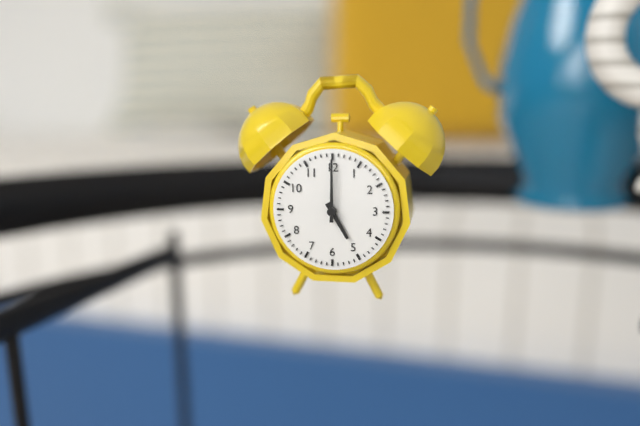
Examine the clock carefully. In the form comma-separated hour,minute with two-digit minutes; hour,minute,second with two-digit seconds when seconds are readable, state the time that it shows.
5,00
